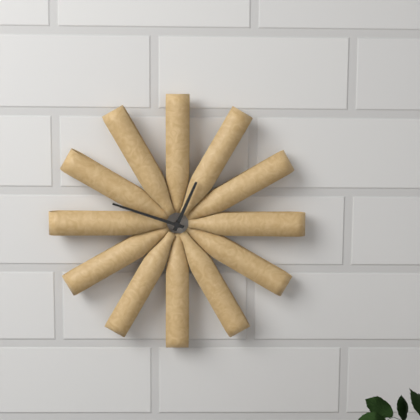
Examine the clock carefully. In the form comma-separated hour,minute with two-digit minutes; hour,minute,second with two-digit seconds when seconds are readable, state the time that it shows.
12,48
